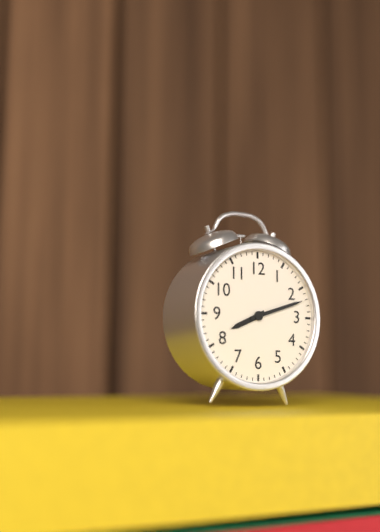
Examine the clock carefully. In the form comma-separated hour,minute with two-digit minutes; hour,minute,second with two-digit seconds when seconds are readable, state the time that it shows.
8,12
